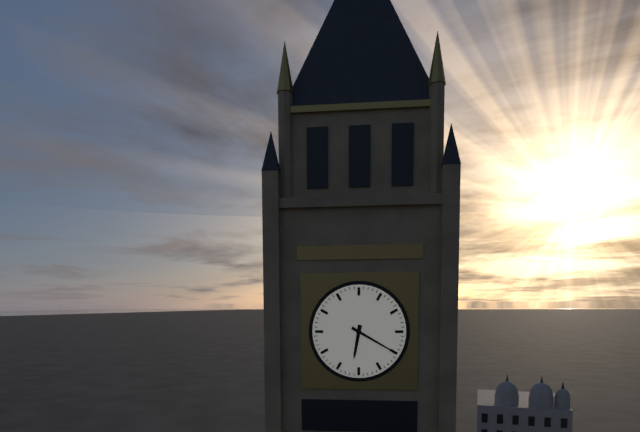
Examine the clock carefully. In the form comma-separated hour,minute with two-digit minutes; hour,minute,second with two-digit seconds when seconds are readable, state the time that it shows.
6,20
